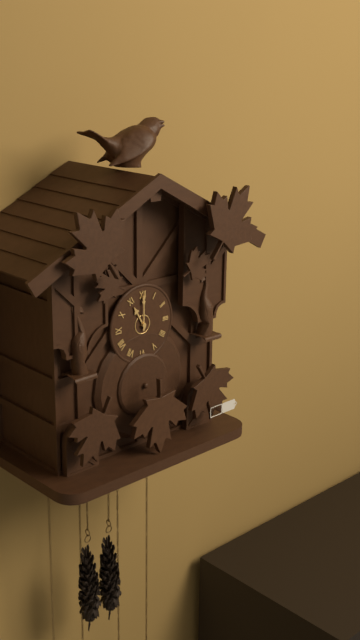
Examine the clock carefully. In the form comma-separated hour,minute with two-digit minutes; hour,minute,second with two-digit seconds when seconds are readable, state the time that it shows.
11,00
